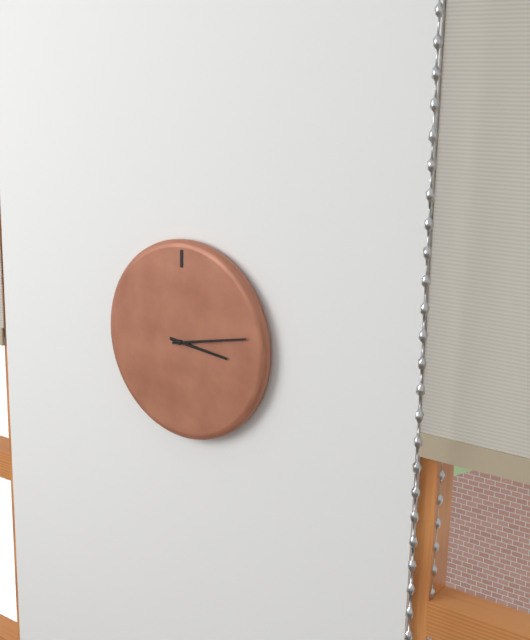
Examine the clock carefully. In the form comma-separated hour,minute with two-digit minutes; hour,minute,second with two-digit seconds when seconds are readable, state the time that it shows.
3,13
